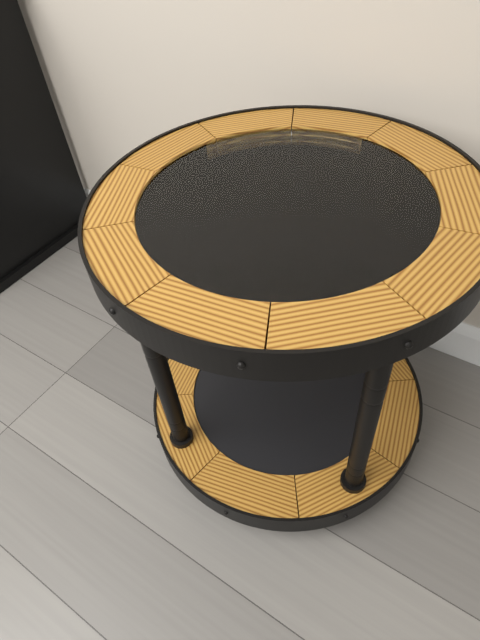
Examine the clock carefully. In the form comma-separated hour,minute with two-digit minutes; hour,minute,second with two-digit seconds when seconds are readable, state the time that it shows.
3,15
